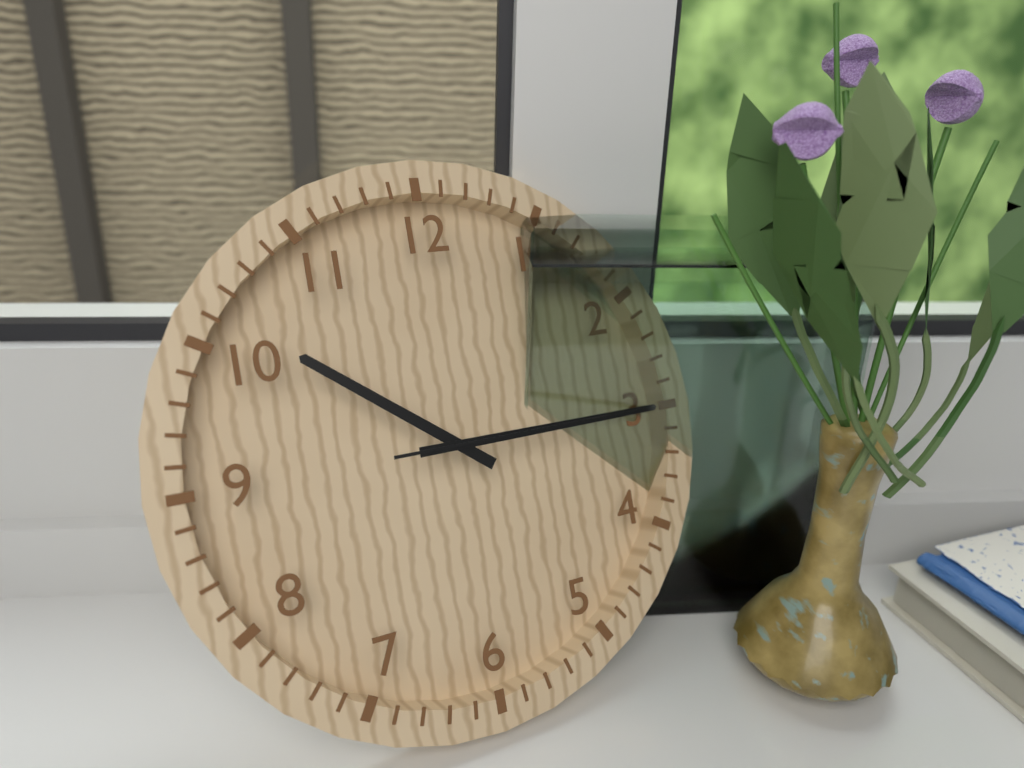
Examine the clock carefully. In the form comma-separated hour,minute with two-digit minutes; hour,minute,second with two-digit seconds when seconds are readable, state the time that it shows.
10,15,15
